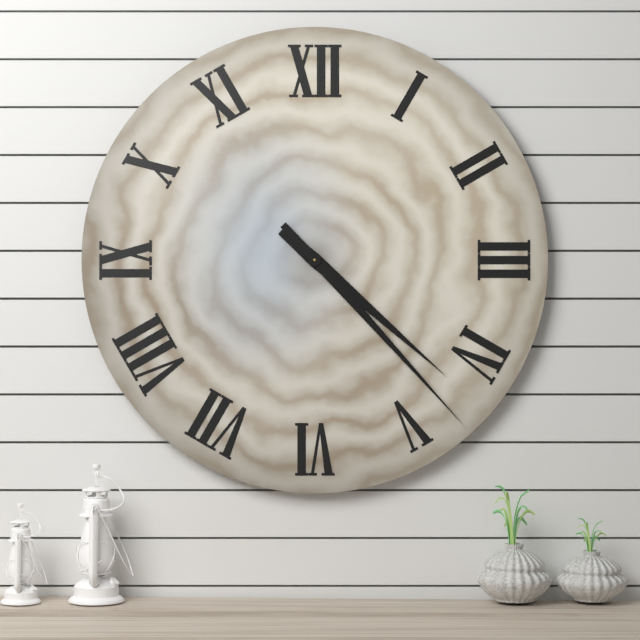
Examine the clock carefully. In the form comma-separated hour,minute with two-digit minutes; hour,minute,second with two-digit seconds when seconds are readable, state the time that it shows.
4,23
